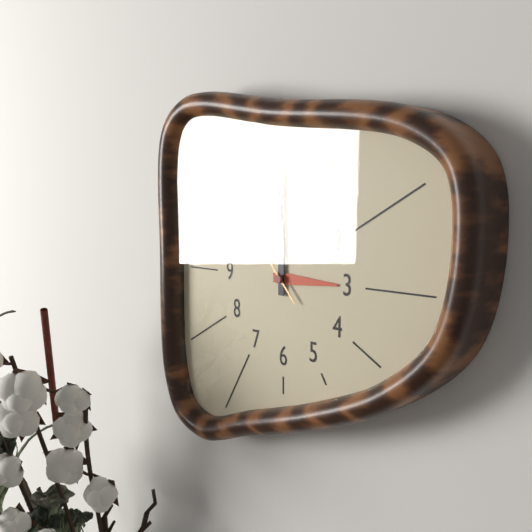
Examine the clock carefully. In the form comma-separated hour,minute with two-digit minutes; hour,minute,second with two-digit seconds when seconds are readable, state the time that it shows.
3,00,53
